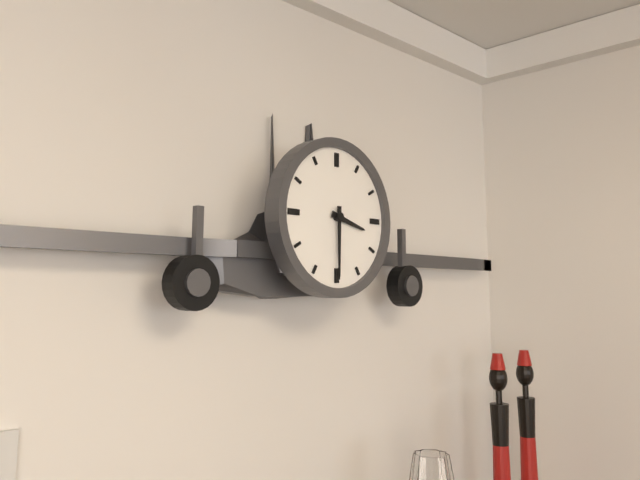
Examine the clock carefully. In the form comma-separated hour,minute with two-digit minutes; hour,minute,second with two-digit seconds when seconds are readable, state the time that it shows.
3,30
